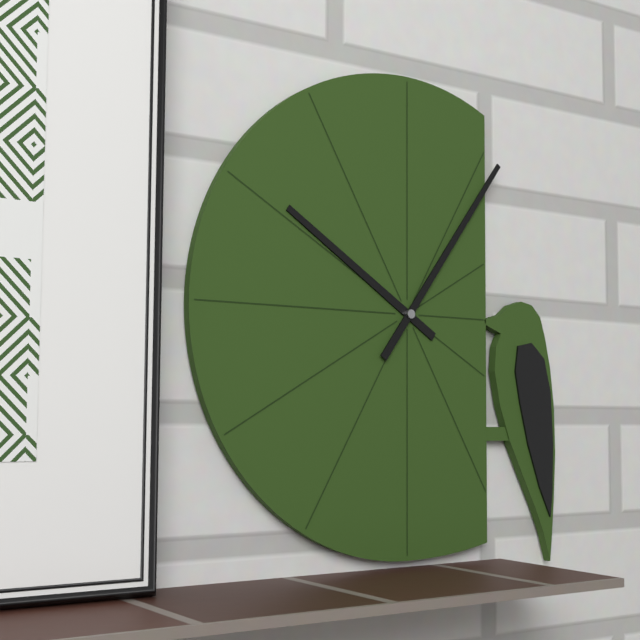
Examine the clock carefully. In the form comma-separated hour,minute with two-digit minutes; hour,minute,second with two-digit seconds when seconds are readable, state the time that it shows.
10,06
